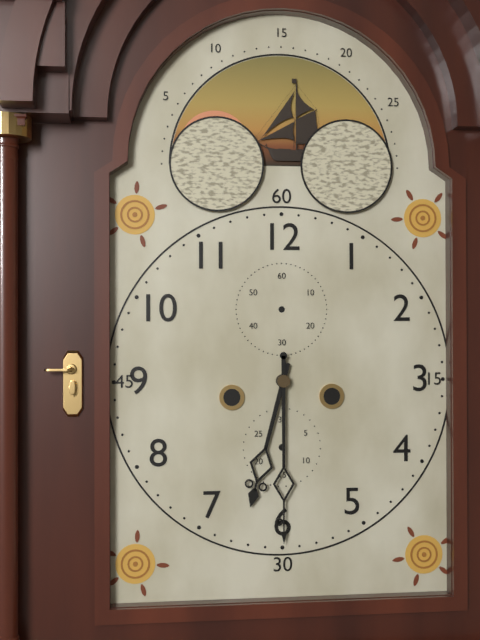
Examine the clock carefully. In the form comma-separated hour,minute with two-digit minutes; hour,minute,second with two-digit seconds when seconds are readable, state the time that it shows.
6,30
